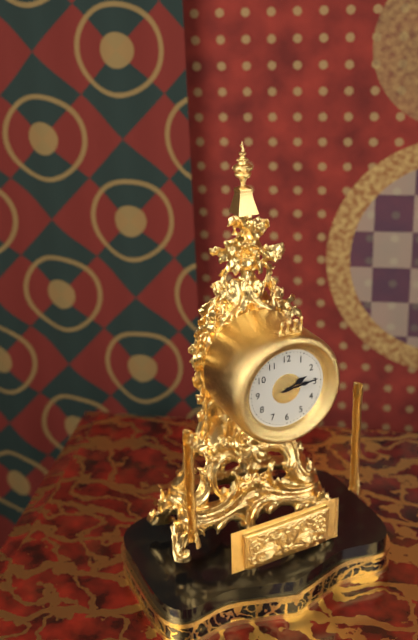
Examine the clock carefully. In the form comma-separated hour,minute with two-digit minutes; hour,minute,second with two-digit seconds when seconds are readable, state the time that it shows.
2,14
